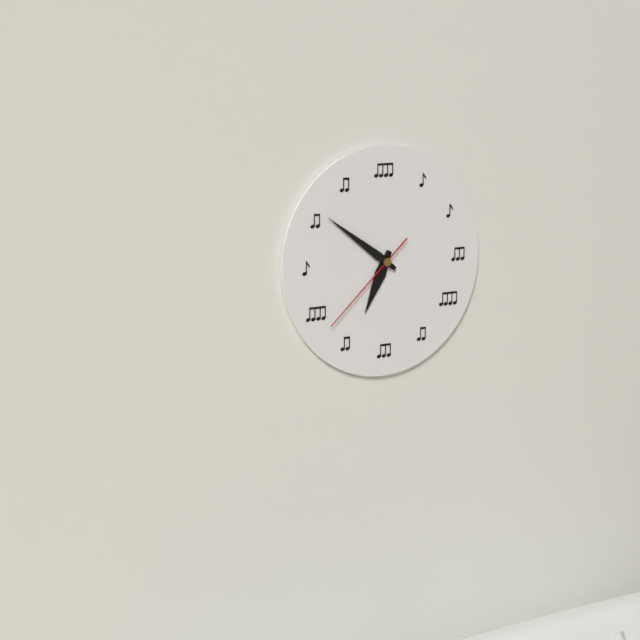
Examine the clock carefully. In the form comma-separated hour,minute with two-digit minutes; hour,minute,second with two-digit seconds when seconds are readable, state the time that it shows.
6,51,38
